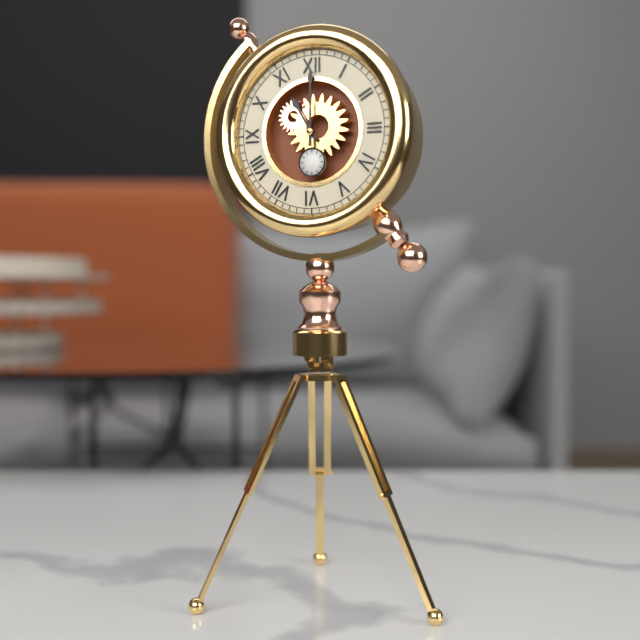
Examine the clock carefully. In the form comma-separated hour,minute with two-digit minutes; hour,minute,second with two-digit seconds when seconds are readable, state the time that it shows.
11,00
